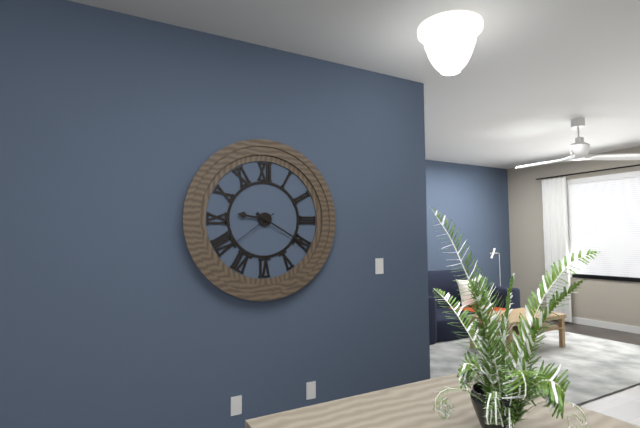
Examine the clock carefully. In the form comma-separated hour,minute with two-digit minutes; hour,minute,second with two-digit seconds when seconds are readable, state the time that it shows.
9,20,39
